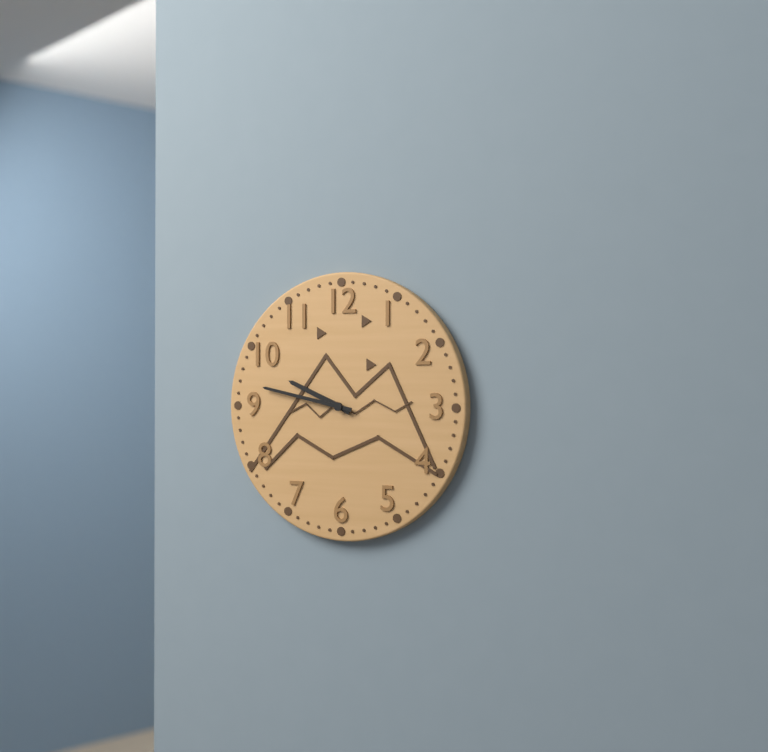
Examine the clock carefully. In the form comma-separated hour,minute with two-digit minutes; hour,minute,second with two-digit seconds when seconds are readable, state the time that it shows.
9,47
